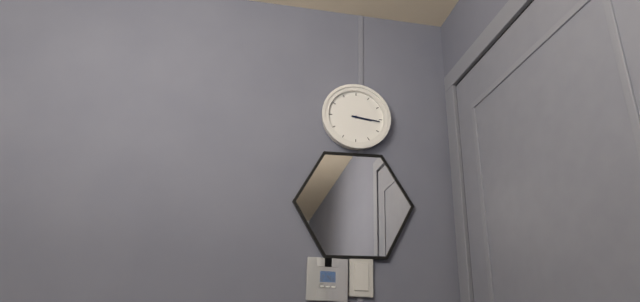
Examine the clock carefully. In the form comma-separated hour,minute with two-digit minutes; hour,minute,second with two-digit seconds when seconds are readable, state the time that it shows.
3,16
